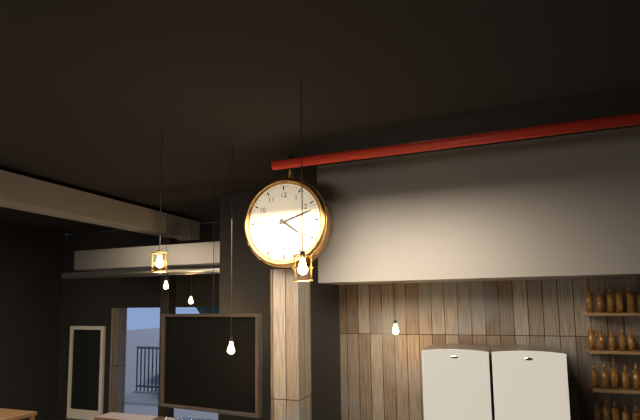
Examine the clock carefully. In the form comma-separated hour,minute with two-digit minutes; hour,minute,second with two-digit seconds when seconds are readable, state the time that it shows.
4,12
